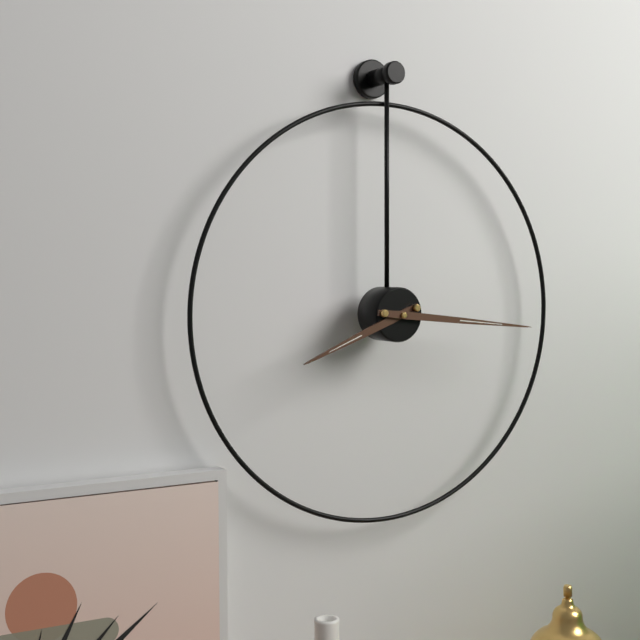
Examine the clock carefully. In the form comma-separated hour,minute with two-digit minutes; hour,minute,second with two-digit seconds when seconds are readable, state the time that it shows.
8,16
